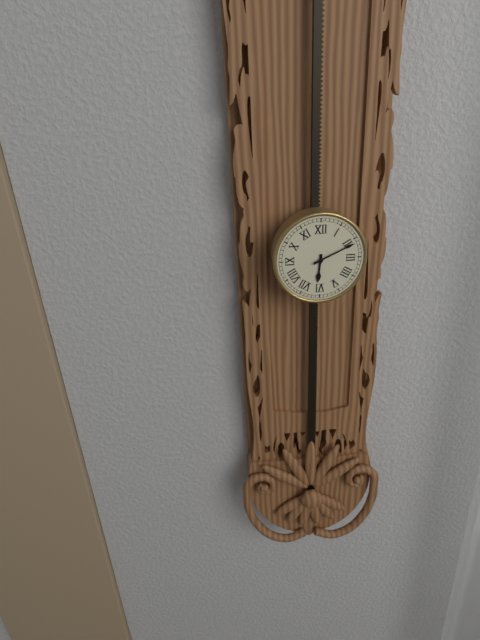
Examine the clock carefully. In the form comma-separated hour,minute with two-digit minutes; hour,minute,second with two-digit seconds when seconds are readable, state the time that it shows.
6,11
